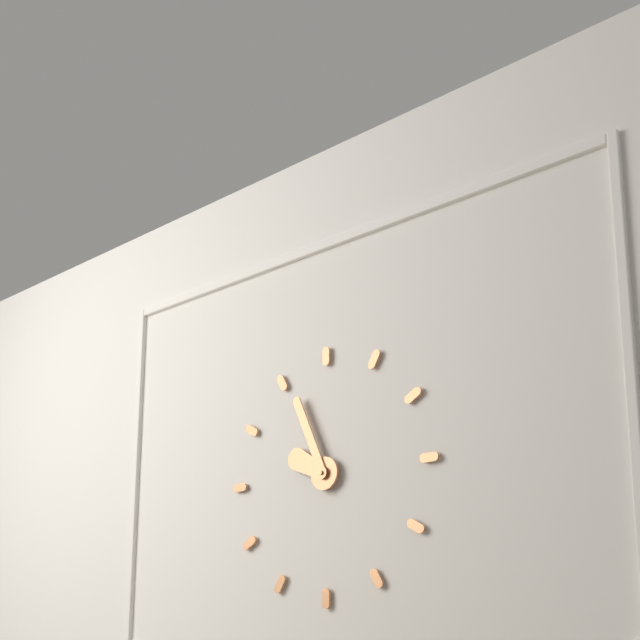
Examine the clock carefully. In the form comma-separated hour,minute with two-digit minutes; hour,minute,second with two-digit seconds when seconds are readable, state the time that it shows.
9,56
